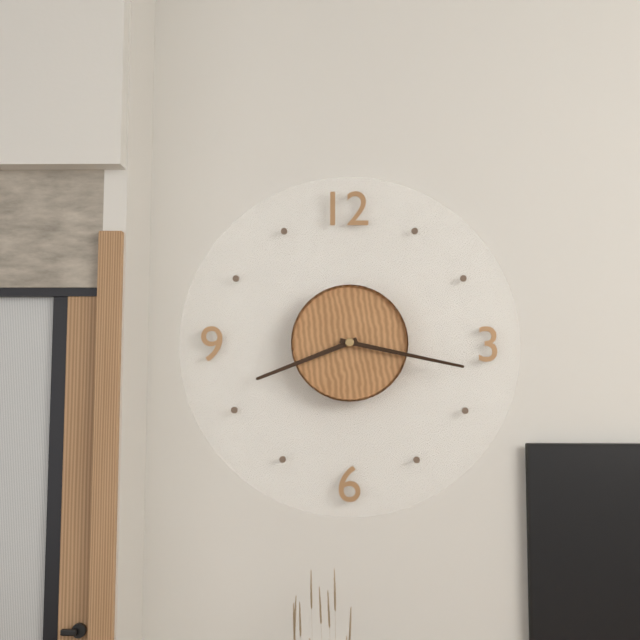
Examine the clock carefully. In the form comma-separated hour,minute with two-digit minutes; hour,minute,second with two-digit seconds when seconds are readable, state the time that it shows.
8,17
